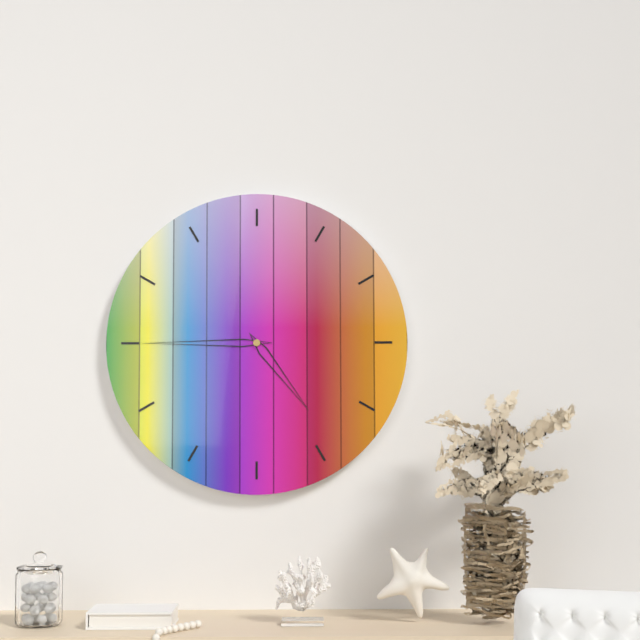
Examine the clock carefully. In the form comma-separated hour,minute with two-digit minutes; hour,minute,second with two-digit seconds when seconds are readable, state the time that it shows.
4,45
